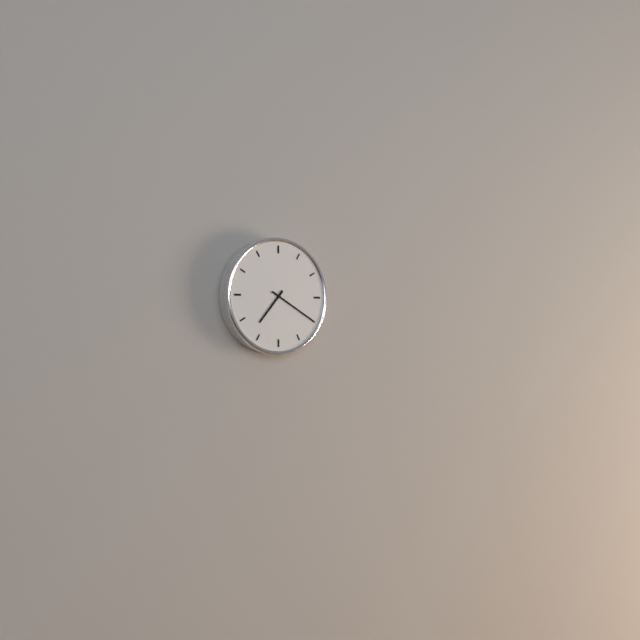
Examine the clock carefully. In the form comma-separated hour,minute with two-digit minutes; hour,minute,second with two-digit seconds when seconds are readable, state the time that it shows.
7,20
